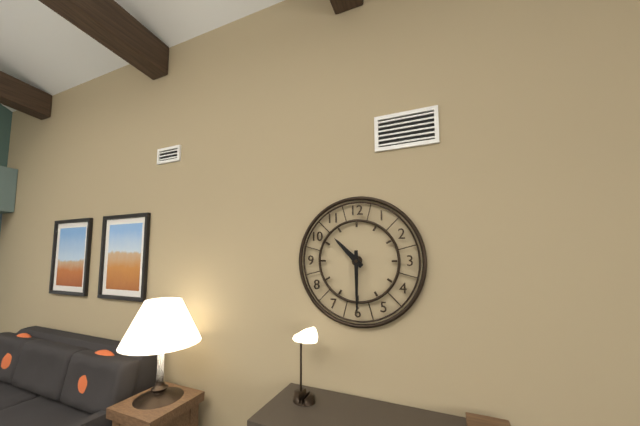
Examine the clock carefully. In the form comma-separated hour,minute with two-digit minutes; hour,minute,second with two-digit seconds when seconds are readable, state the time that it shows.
10,30
